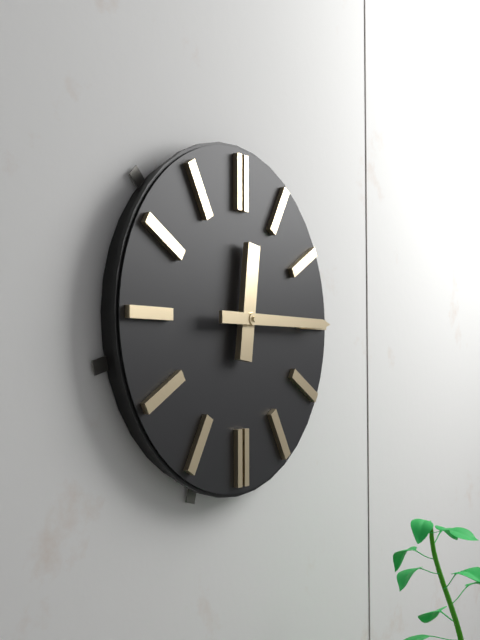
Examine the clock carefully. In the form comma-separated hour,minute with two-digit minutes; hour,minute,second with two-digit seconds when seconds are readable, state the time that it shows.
12,15
